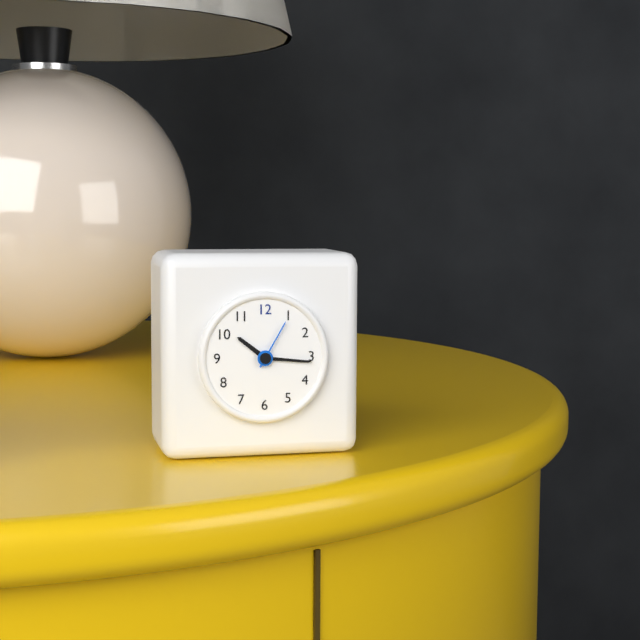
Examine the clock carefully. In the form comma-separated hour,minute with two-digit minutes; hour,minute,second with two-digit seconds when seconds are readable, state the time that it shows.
10,16,05
